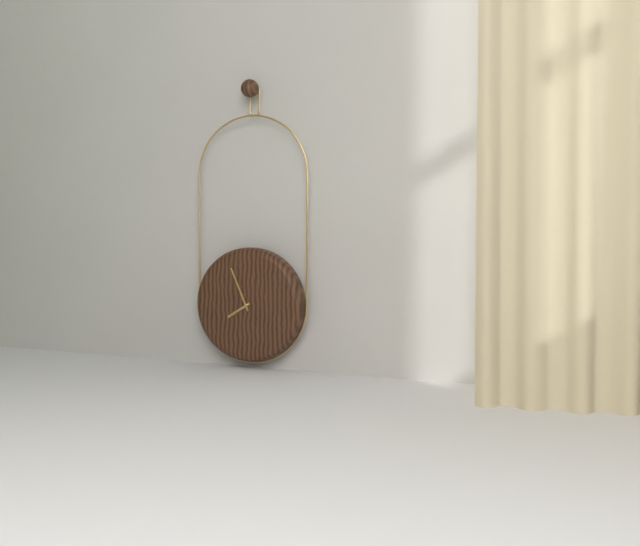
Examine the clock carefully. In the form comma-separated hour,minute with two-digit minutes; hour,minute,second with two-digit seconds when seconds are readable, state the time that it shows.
7,56
